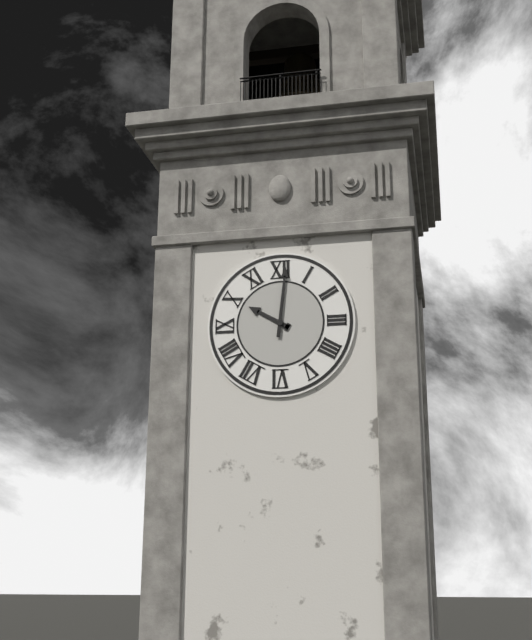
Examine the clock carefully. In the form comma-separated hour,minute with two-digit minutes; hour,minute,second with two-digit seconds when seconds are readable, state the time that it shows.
10,01
